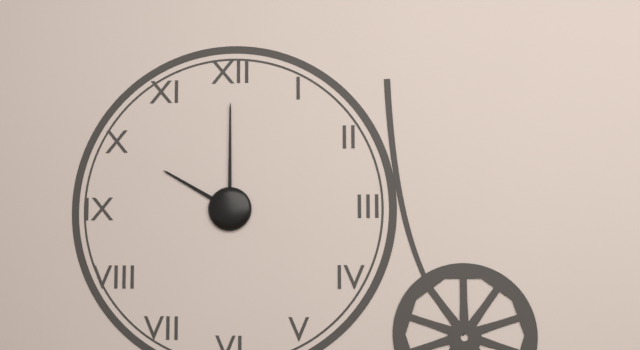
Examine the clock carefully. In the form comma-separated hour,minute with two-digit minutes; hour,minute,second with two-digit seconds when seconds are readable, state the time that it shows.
10,00
